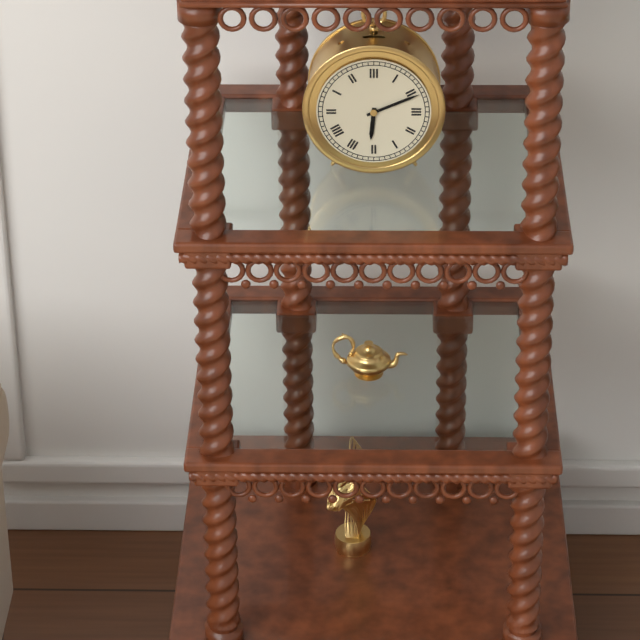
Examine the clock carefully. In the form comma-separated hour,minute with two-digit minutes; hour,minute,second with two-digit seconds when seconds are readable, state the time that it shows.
6,11
